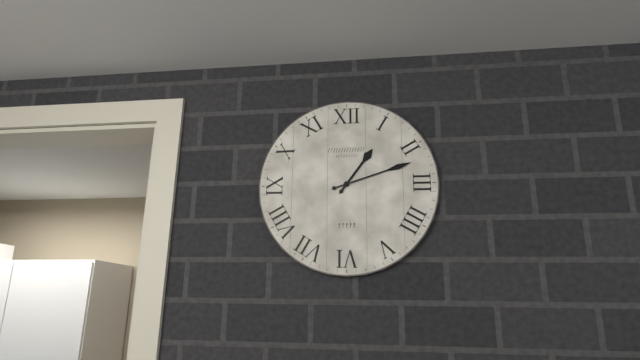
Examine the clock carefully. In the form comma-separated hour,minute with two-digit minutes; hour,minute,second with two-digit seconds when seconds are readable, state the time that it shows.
1,12
